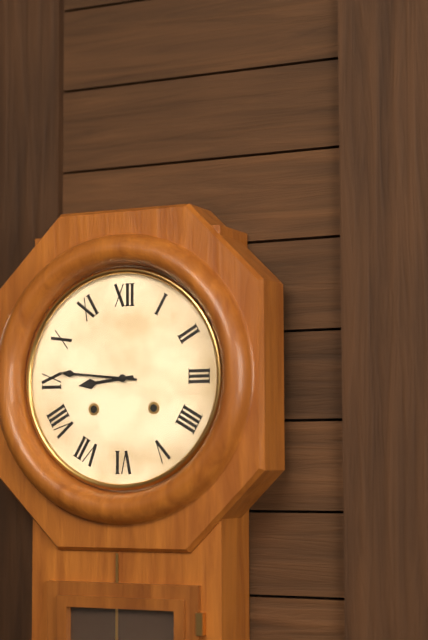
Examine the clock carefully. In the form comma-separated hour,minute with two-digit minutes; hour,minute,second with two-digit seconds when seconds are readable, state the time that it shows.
8,46
